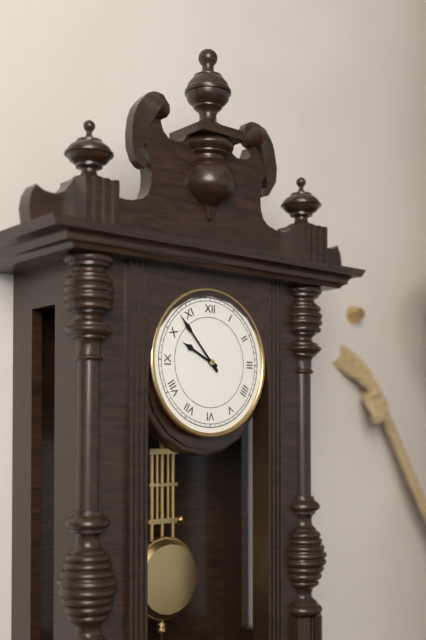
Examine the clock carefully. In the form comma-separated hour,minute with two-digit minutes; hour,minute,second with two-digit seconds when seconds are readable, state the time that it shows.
9,53
